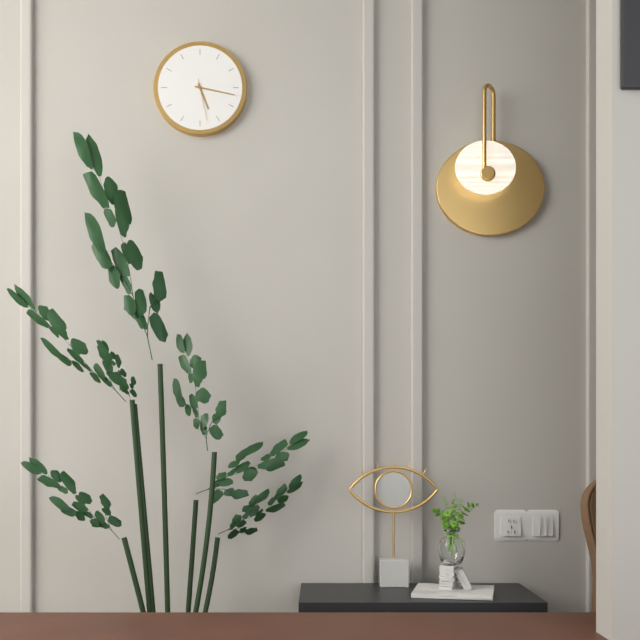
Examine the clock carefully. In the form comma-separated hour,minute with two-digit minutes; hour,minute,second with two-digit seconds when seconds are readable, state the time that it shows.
5,17
